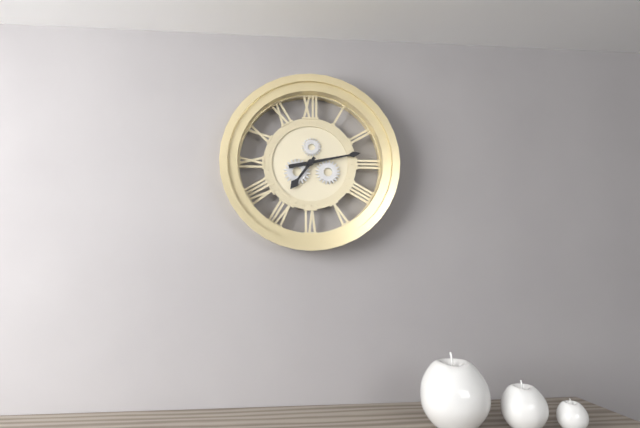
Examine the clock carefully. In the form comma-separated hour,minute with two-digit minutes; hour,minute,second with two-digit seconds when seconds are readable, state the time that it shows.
7,13
